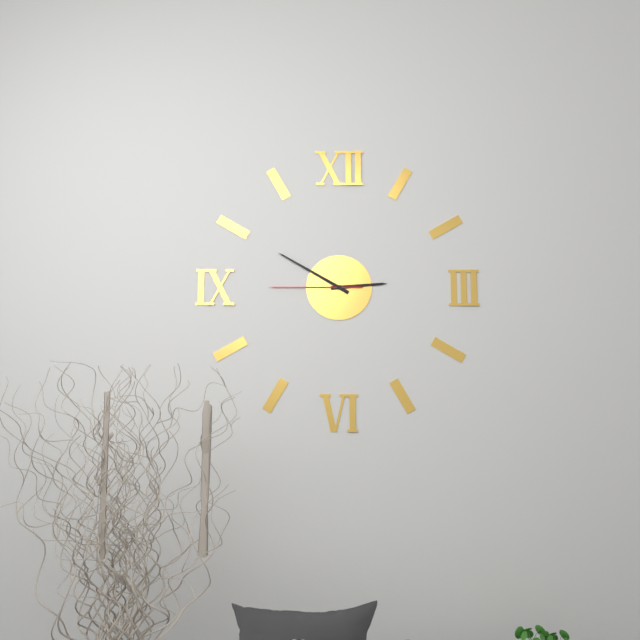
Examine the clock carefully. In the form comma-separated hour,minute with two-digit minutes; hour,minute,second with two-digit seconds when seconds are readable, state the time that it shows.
2,50,45
